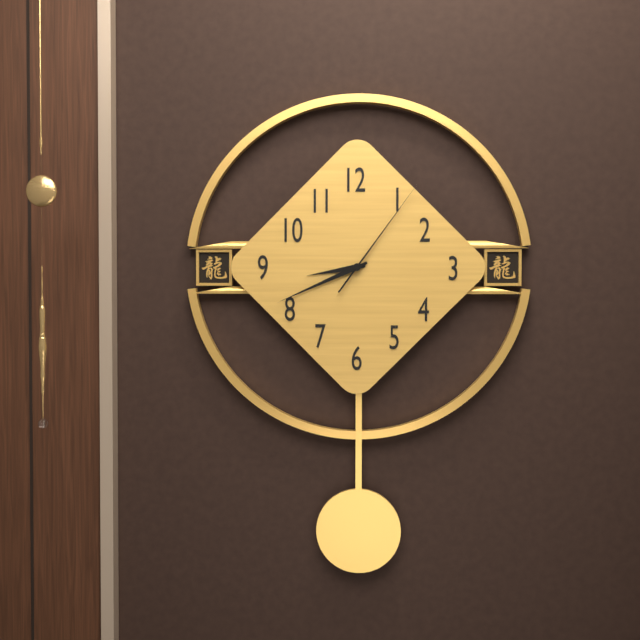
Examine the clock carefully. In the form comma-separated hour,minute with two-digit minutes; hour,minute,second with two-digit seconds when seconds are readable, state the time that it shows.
8,41,06
